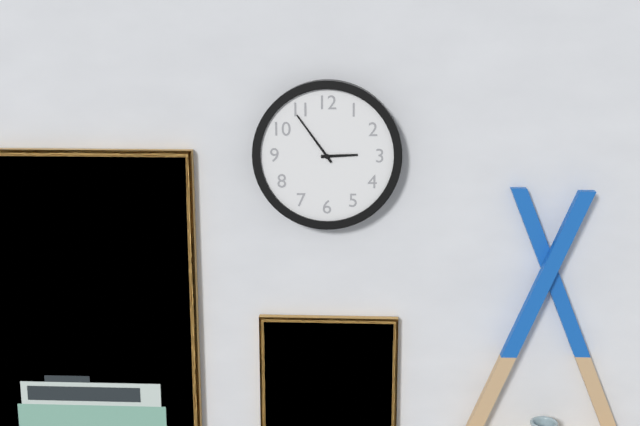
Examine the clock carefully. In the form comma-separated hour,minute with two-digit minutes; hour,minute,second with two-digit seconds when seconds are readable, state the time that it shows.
2,54
